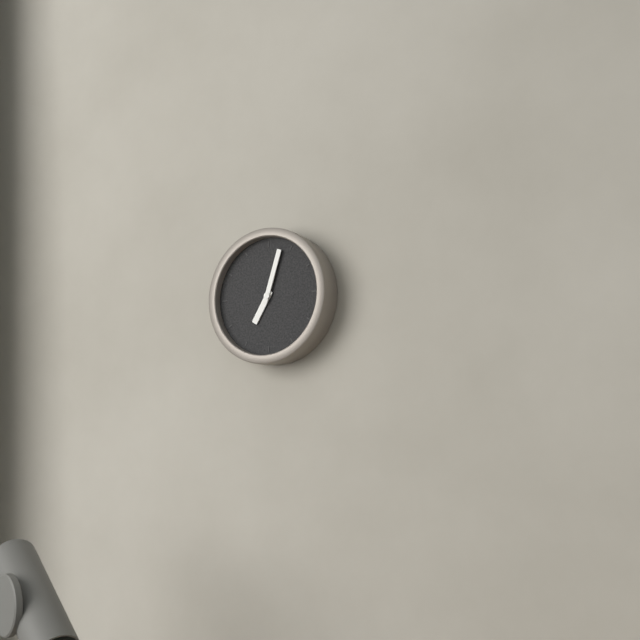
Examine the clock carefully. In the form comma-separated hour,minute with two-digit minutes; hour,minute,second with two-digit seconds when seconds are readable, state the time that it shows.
7,03
